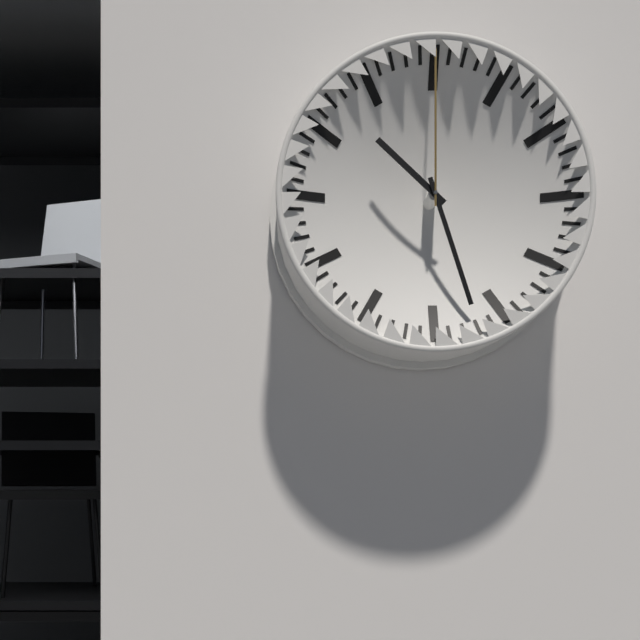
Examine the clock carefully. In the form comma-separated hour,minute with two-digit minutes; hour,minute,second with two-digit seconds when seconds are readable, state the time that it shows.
10,27,00
